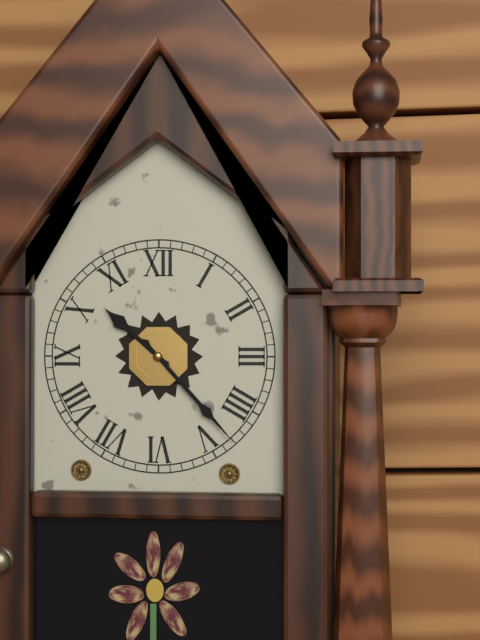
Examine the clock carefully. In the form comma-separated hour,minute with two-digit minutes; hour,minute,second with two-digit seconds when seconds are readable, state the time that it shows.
10,23
